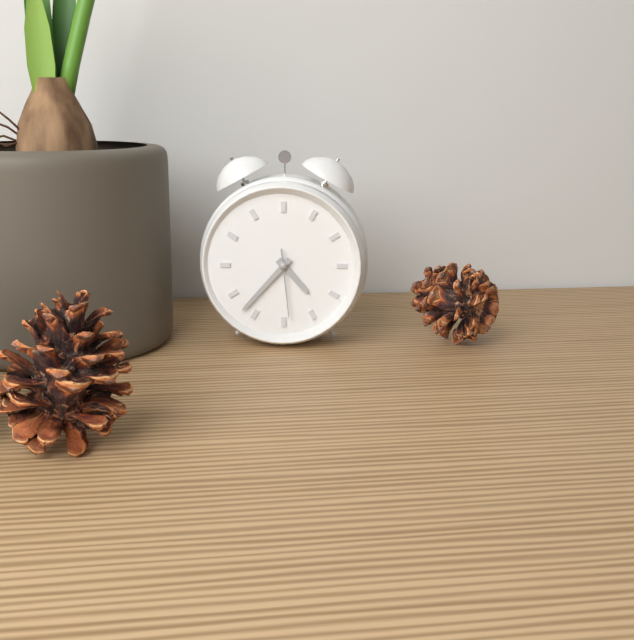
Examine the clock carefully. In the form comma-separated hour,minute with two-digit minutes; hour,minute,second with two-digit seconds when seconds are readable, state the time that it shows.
4,37,29
